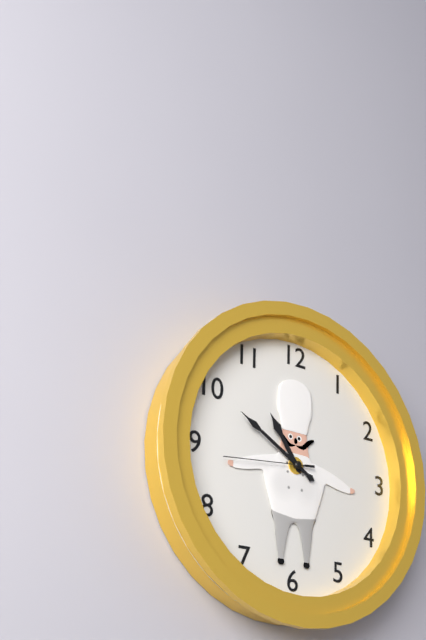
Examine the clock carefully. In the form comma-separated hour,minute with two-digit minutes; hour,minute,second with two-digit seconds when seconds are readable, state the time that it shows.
10,50,44
